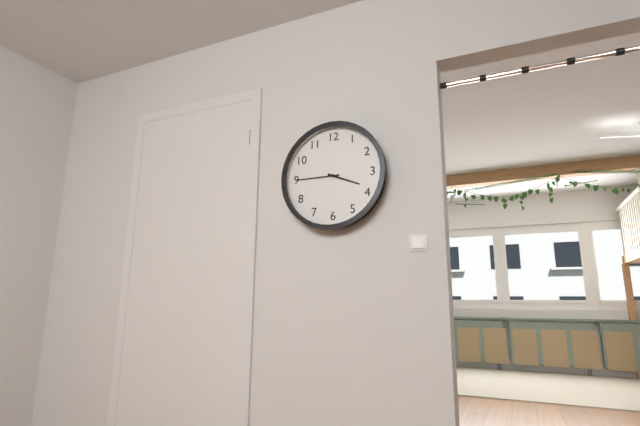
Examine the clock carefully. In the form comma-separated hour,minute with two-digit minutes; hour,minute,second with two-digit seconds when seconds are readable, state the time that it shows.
3,45
